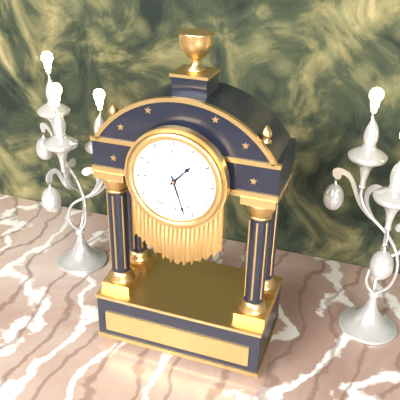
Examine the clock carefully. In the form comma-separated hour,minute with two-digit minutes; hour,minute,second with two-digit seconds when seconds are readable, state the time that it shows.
1,27
